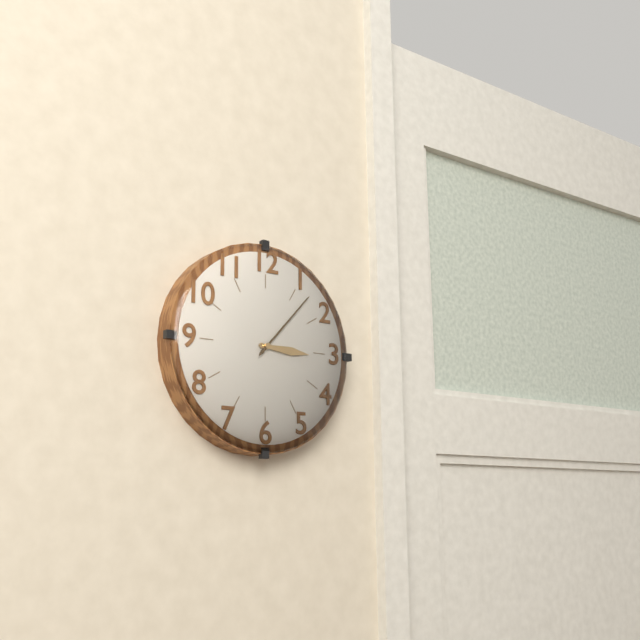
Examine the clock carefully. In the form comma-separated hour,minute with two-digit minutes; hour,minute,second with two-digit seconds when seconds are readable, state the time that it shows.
3,07
